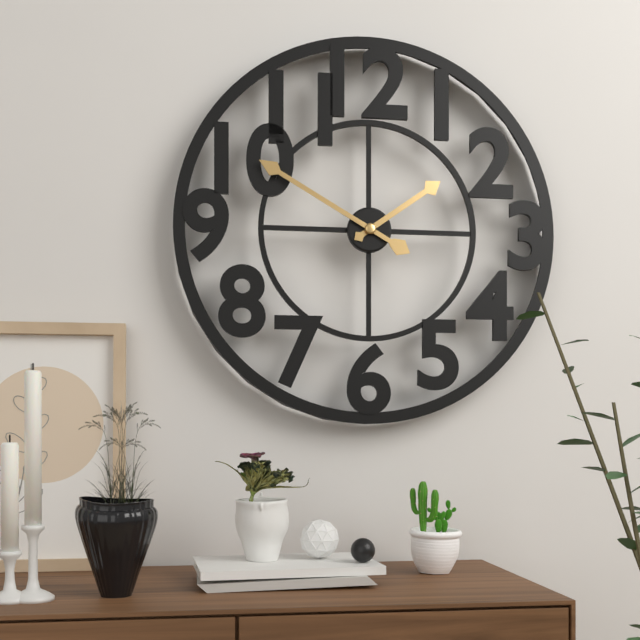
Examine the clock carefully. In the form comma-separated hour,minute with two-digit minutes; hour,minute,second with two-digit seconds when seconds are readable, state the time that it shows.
1,50
